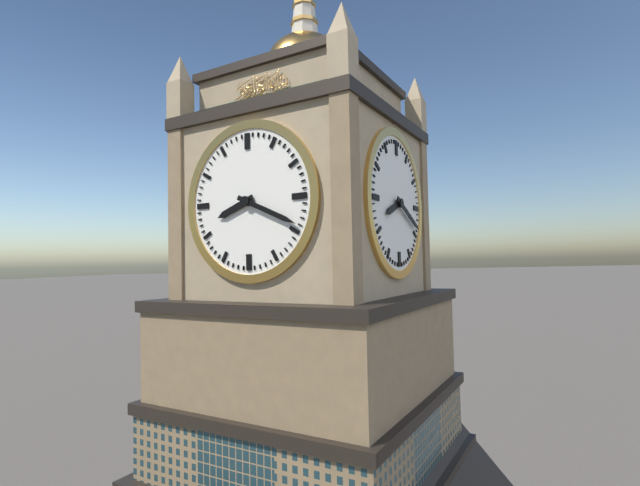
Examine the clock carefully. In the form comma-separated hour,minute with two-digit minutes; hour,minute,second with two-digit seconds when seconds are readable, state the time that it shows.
8,19
